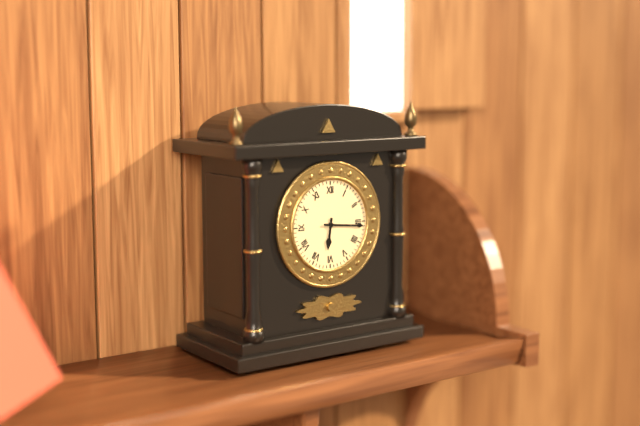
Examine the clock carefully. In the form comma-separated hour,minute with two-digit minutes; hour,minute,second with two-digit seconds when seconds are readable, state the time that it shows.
6,16
